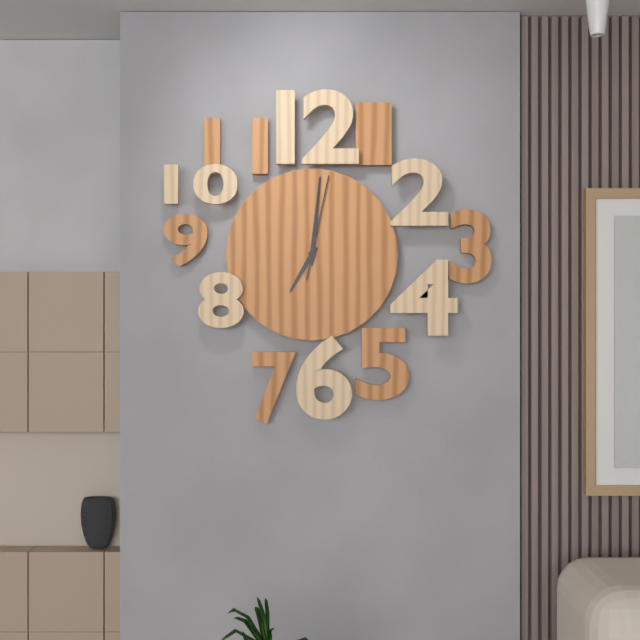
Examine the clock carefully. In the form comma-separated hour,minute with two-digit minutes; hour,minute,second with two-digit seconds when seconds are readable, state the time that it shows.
7,01,02
